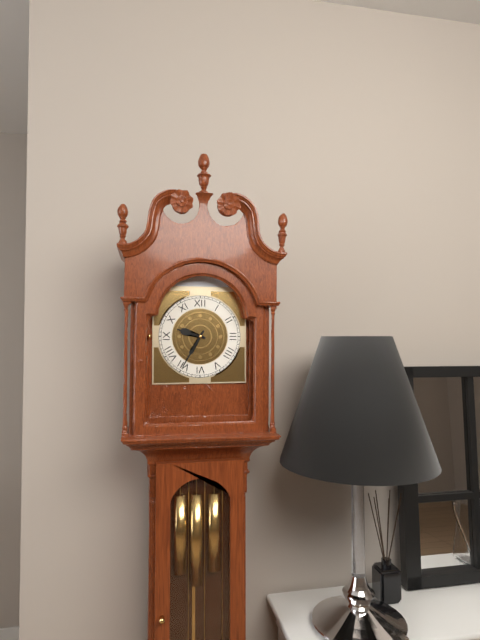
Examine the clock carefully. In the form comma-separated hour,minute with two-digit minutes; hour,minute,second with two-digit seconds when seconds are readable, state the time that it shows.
9,35
